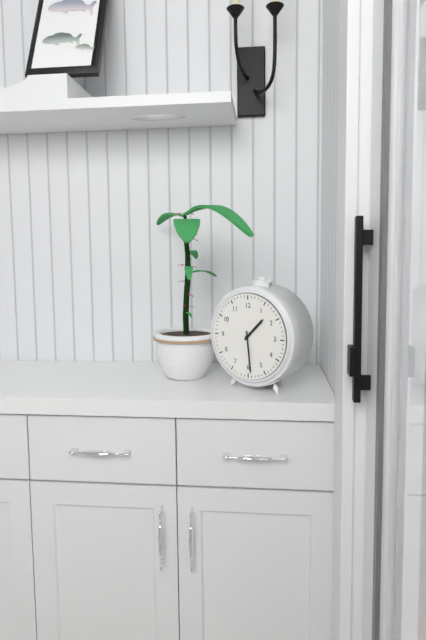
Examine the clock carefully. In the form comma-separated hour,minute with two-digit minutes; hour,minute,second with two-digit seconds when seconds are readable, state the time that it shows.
1,29
